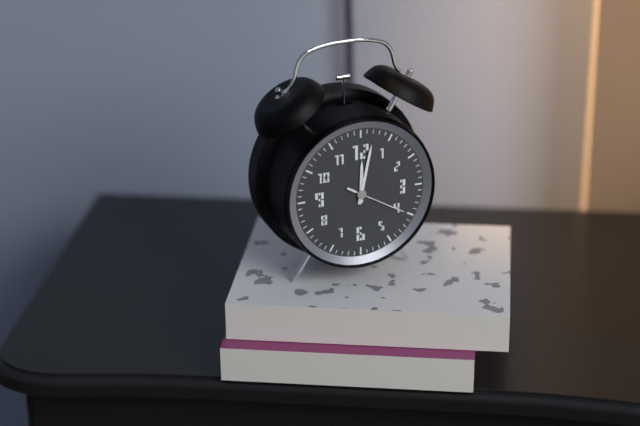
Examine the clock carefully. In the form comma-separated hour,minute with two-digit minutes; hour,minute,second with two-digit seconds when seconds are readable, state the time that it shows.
12,02,20
